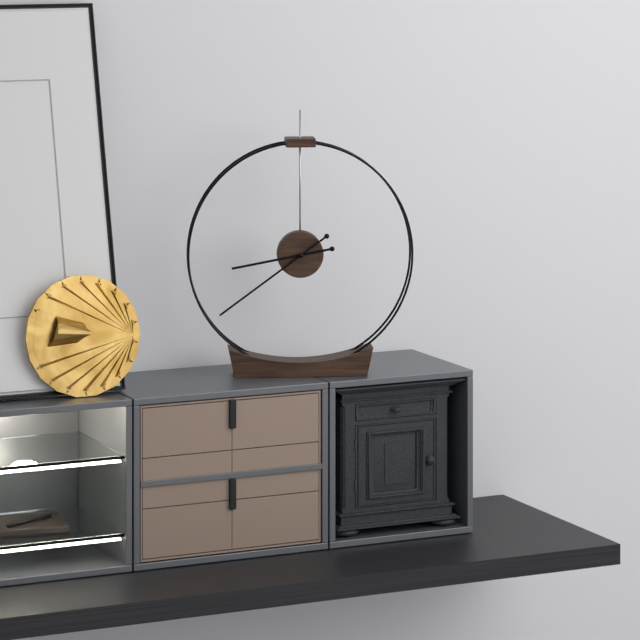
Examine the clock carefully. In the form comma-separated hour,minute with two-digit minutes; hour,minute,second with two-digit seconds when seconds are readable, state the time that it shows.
8,39
